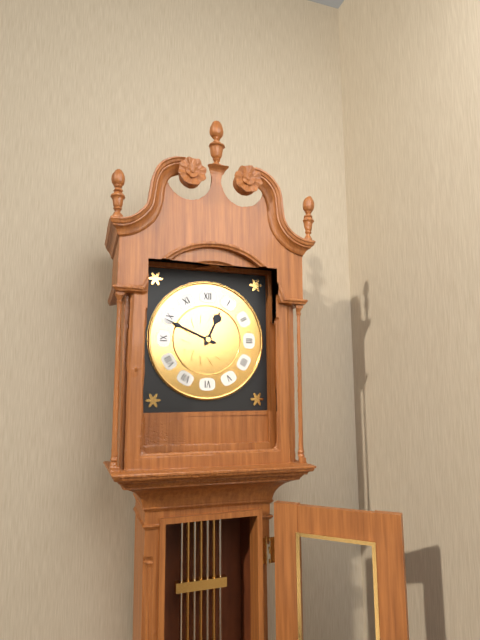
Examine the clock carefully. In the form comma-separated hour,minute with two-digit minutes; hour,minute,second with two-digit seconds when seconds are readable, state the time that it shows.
12,49
